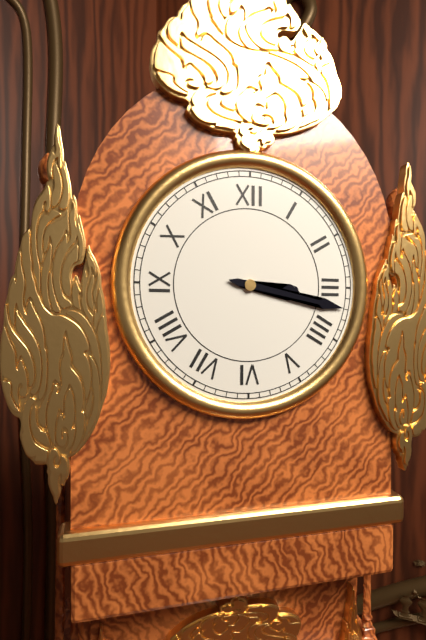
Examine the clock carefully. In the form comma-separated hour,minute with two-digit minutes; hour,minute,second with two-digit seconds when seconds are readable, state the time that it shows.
3,17
